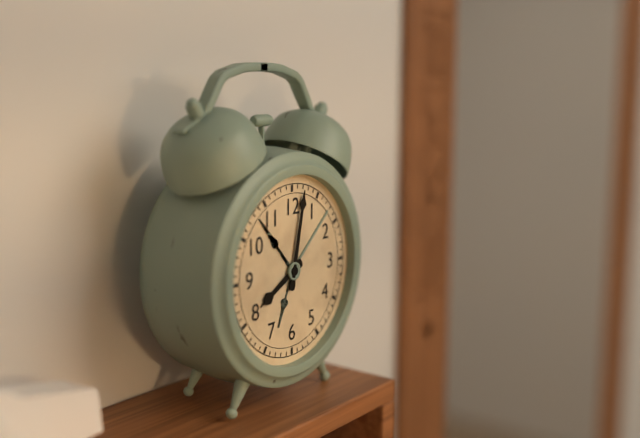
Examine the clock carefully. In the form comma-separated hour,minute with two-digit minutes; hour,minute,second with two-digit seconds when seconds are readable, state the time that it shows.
8,02
